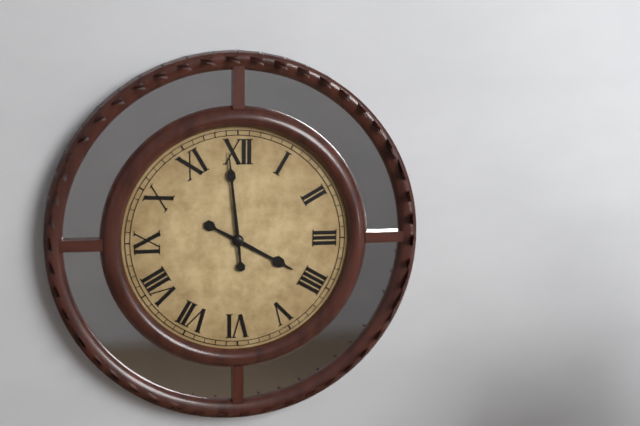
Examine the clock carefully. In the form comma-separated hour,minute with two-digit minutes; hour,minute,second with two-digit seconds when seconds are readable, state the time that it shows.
3,59
